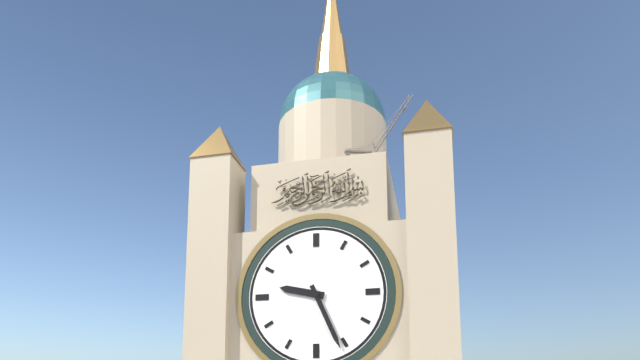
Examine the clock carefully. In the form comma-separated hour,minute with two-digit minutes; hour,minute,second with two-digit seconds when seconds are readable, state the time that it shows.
9,26
